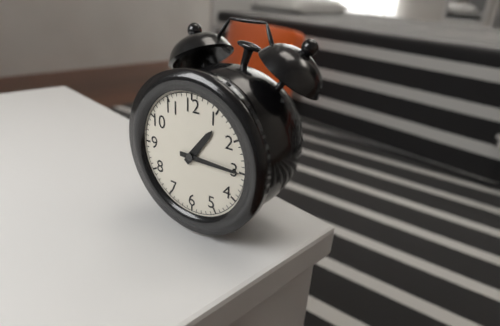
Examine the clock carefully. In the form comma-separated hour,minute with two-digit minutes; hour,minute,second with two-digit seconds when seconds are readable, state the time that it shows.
1,15
